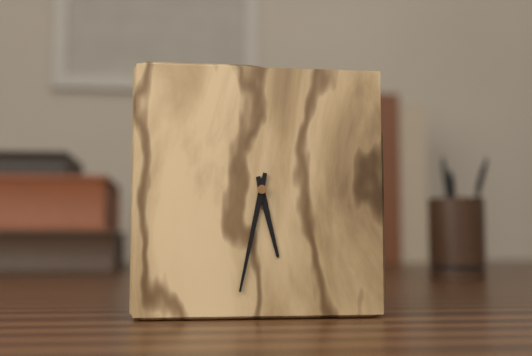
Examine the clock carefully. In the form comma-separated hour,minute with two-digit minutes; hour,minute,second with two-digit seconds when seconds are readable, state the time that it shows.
5,32
